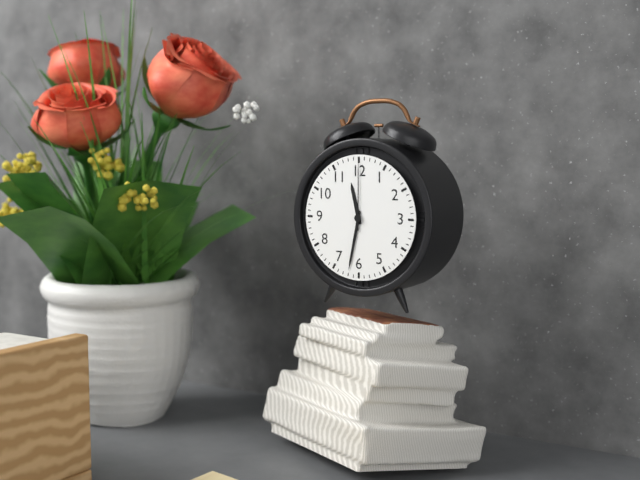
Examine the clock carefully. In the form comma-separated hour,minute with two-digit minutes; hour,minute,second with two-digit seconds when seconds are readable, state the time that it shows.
11,32,00
